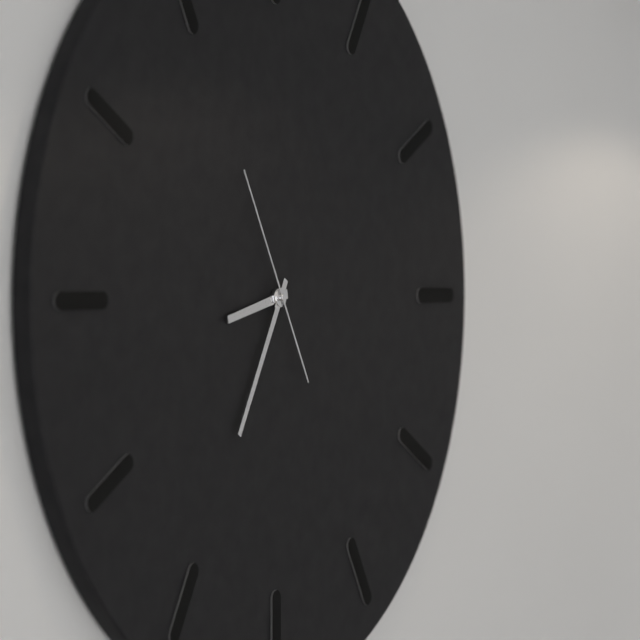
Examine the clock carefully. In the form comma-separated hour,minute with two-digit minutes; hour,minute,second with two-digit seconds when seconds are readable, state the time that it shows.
8,35,55
